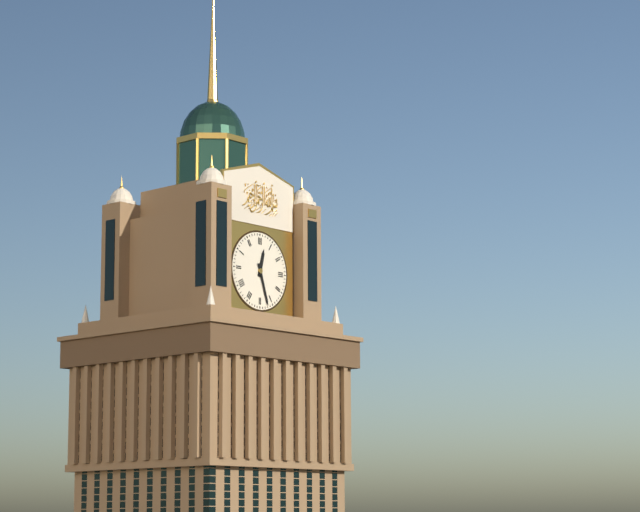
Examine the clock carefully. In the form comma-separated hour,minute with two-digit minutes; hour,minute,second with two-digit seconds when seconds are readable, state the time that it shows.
12,27
